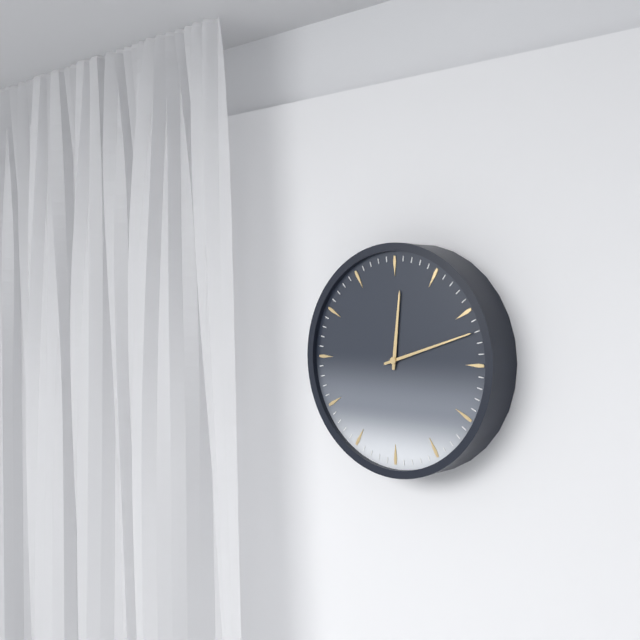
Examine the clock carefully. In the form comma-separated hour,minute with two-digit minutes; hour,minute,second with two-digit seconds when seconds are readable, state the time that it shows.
12,12
